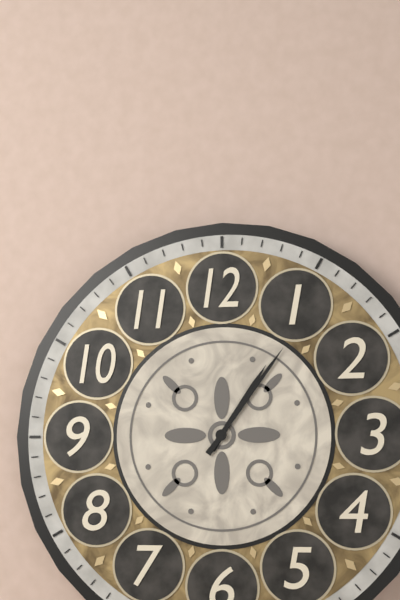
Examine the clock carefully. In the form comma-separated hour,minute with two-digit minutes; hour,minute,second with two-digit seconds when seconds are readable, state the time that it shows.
1,06
